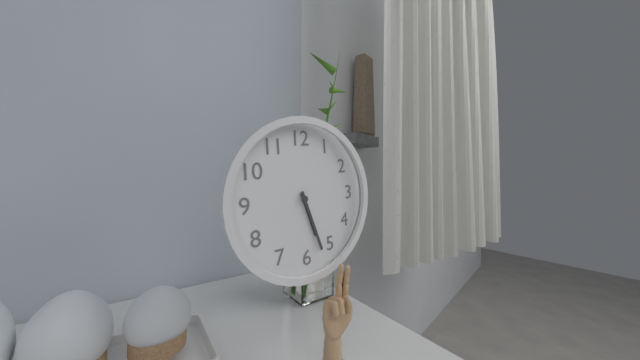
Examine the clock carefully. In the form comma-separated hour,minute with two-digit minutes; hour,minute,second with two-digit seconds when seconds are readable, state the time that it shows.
5,27
